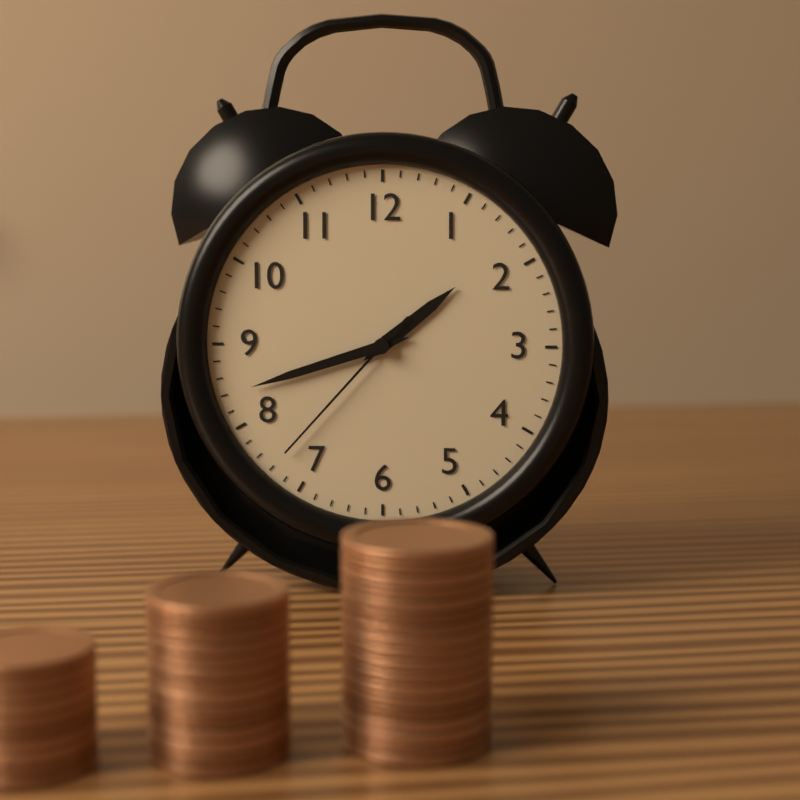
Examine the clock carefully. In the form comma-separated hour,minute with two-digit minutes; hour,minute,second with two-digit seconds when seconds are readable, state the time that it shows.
1,42,37
